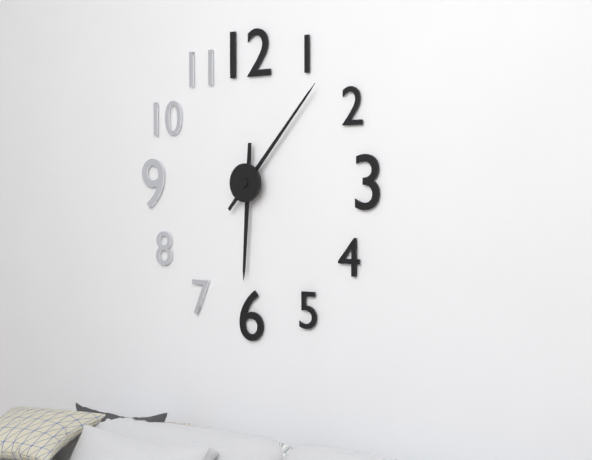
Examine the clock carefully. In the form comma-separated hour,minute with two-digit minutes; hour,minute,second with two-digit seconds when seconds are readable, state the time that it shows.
6,07
